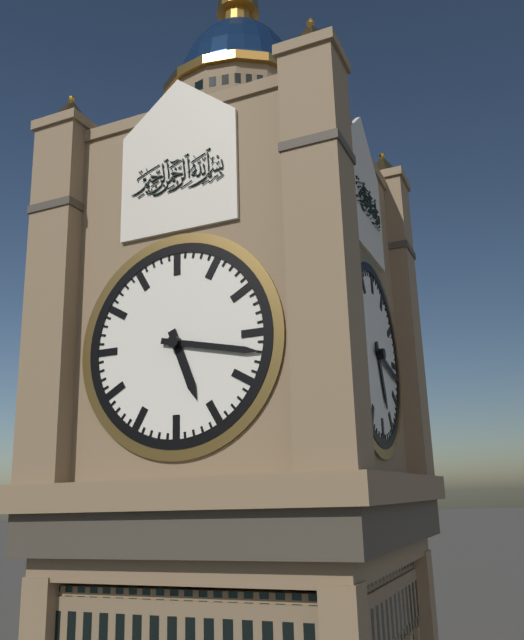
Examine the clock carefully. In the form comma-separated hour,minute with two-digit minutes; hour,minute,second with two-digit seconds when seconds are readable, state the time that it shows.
5,17
